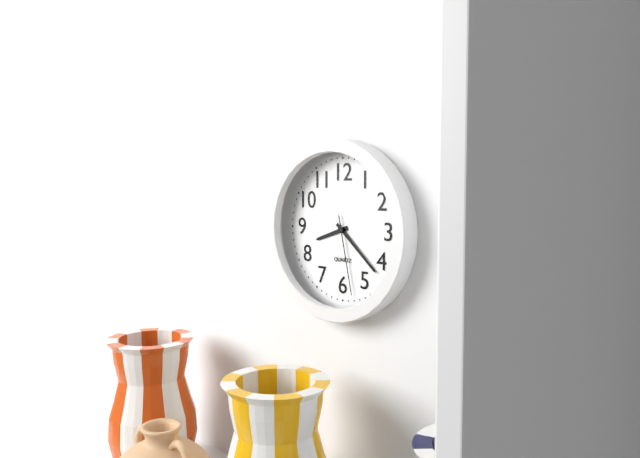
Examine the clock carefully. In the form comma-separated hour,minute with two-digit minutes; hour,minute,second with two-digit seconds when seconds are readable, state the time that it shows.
8,22,28
